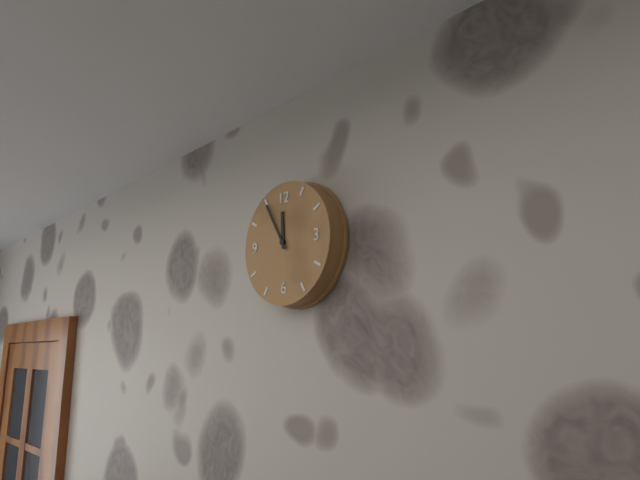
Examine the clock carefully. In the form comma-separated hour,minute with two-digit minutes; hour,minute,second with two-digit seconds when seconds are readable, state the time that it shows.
11,55
